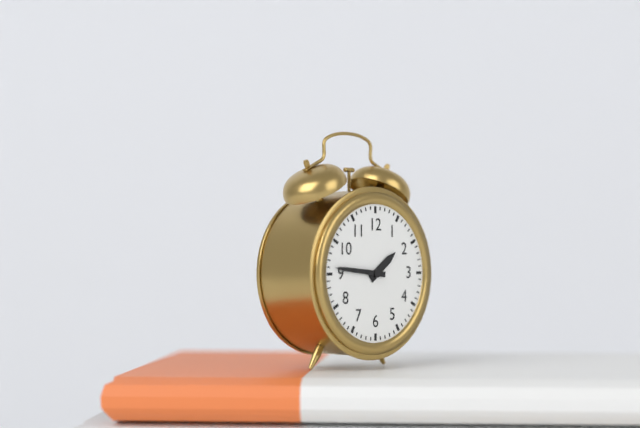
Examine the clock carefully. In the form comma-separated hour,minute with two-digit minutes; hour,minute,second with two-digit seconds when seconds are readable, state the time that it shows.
1,46
